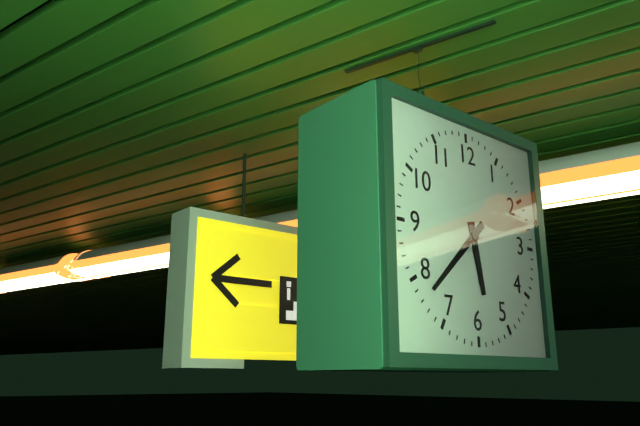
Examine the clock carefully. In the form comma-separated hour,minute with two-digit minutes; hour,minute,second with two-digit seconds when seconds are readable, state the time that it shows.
5,38
